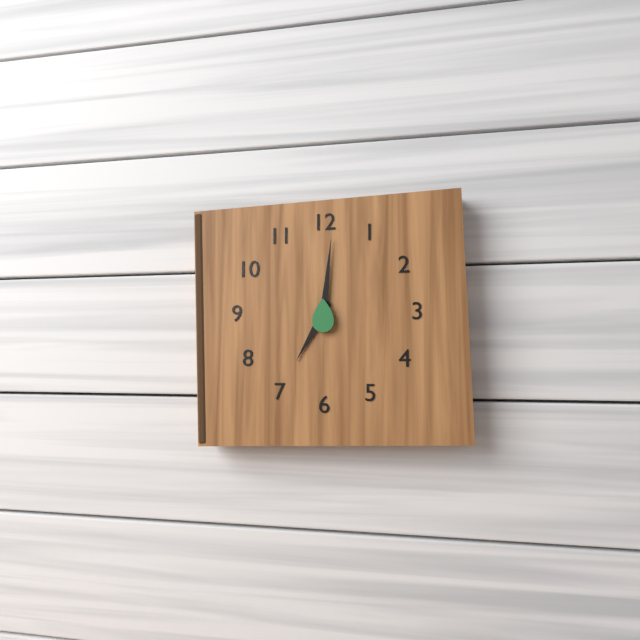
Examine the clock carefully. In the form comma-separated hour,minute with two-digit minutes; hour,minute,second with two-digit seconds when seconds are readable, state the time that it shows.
7,01
